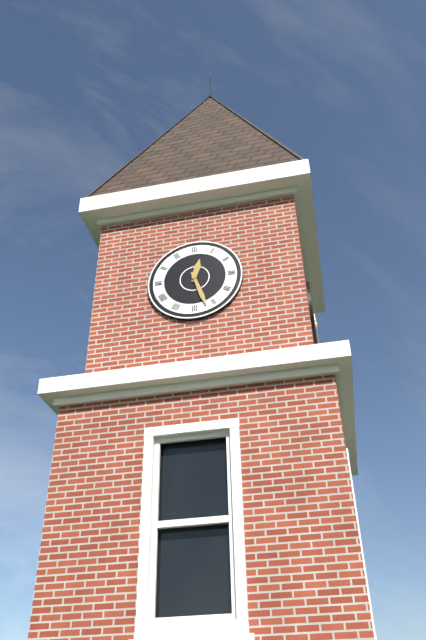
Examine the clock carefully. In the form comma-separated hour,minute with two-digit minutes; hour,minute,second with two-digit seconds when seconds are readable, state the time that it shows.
12,27
